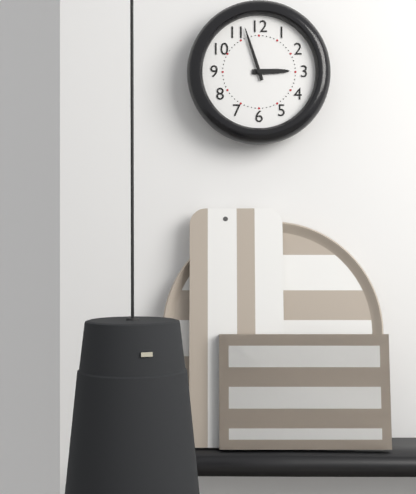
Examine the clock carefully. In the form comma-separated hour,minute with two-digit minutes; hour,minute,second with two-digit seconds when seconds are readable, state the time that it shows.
2,57
